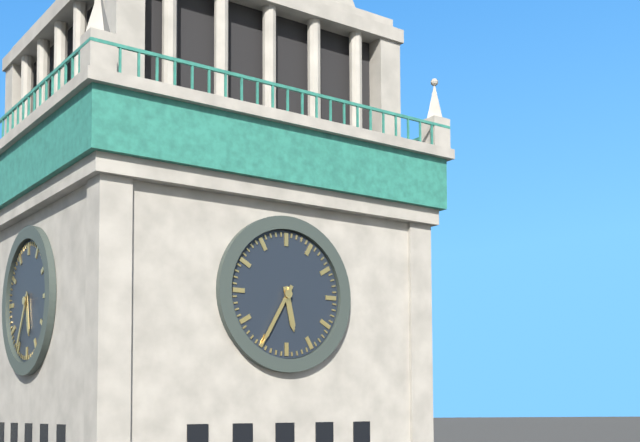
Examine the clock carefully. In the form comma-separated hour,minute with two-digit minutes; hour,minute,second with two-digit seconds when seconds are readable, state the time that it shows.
5,35
